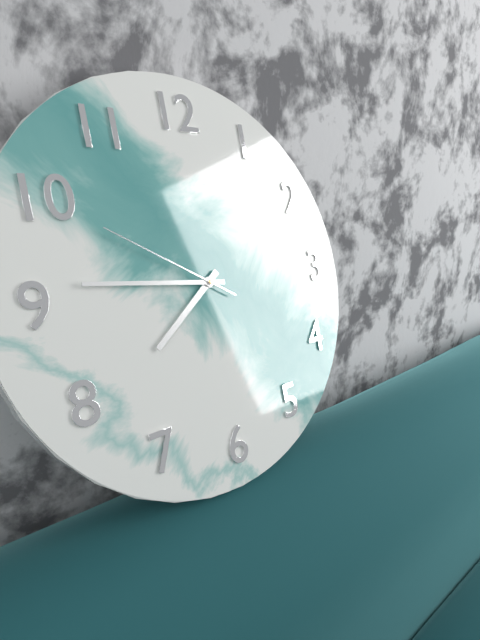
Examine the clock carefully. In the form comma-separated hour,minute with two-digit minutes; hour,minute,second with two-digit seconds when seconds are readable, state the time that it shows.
7,46,50
